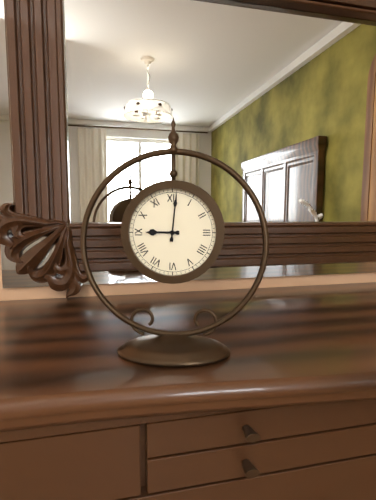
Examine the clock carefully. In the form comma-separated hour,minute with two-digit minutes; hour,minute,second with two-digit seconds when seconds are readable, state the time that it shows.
9,01
